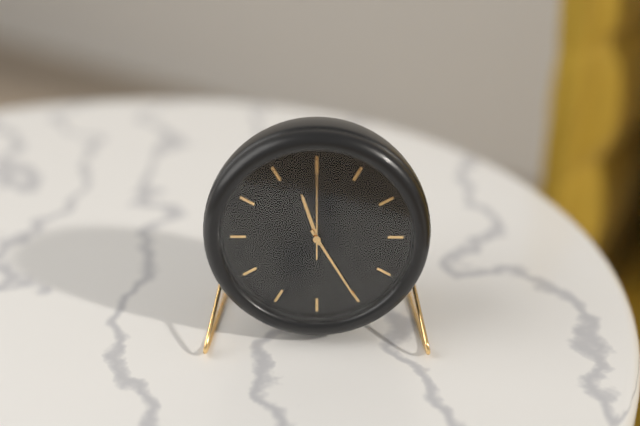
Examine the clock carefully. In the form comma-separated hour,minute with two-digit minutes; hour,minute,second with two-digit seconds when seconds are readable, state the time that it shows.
11,25,00
